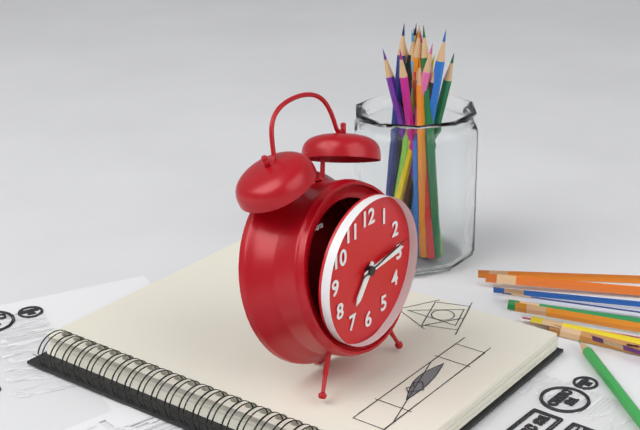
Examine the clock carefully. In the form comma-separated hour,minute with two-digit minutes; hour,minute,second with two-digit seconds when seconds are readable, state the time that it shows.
7,14,13
